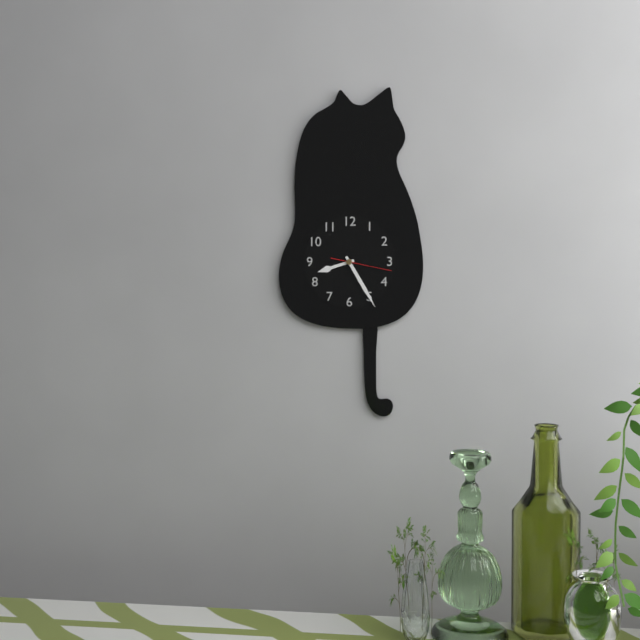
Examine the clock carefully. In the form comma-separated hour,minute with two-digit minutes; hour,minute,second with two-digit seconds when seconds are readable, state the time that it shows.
8,25,17
